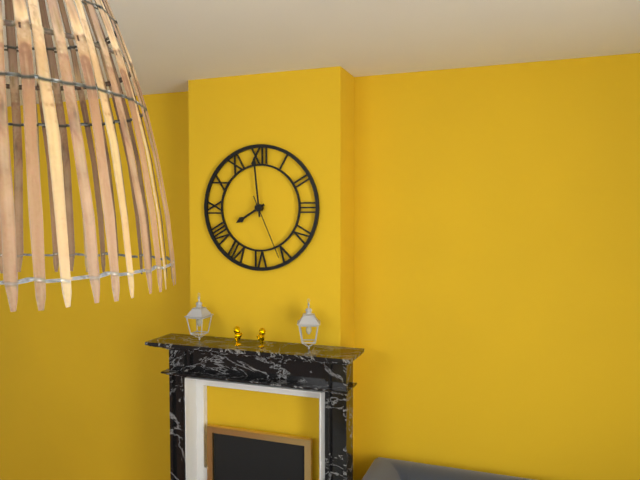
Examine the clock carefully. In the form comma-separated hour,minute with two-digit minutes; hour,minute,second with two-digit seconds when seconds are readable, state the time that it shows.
7,59,26
